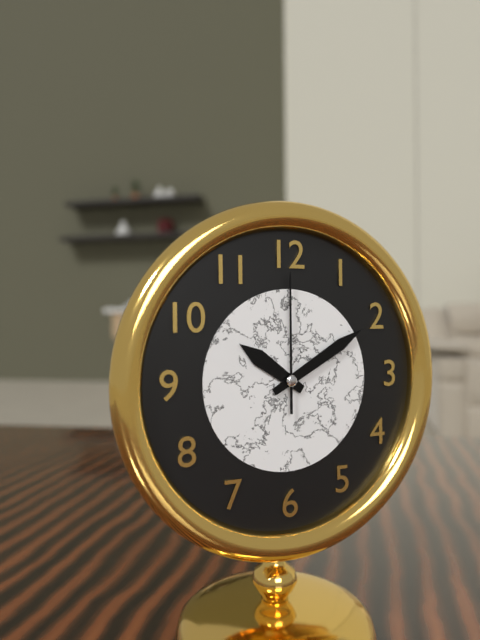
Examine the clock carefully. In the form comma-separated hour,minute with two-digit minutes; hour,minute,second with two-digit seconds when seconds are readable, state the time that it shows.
10,10,00
